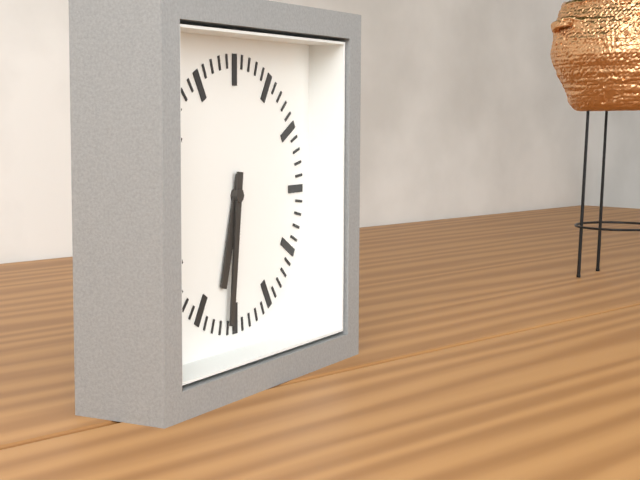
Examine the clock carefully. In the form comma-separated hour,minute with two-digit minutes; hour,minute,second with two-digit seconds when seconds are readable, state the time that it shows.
6,31
